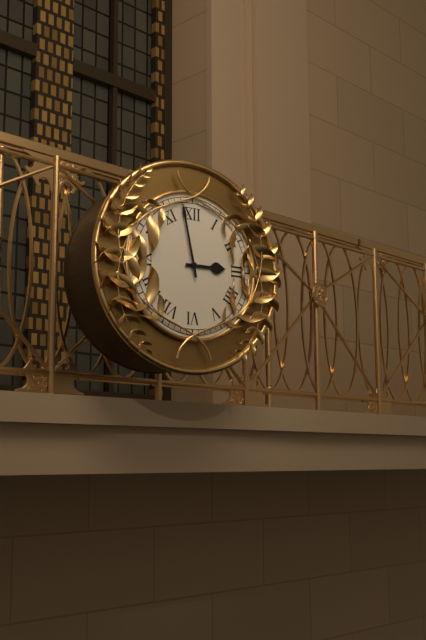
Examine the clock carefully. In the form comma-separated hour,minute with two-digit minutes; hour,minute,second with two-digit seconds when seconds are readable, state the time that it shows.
2,58
